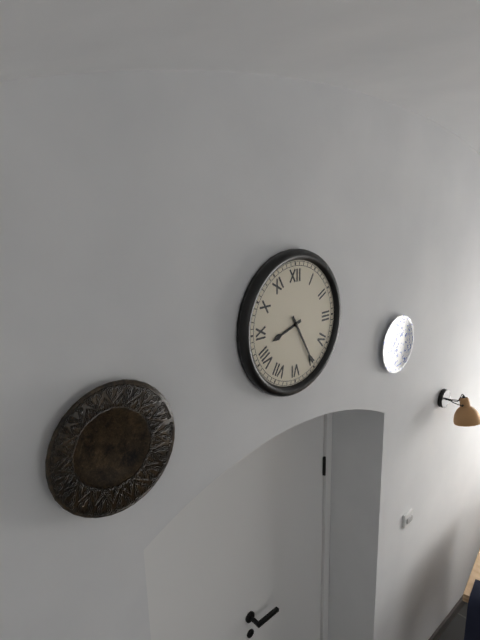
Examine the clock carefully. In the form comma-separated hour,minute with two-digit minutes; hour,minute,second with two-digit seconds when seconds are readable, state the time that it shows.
8,25
